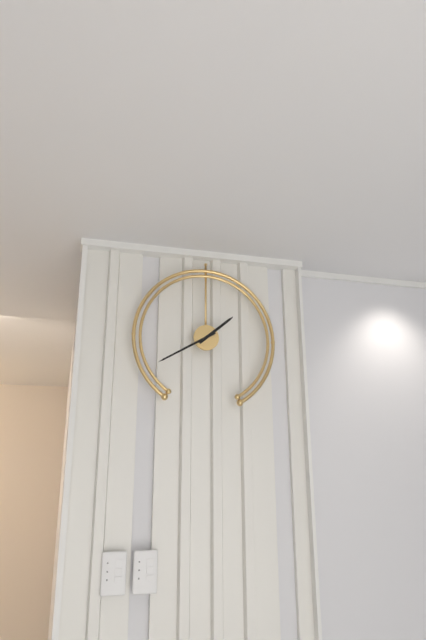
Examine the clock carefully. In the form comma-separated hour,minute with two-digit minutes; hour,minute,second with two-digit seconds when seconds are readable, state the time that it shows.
1,40
